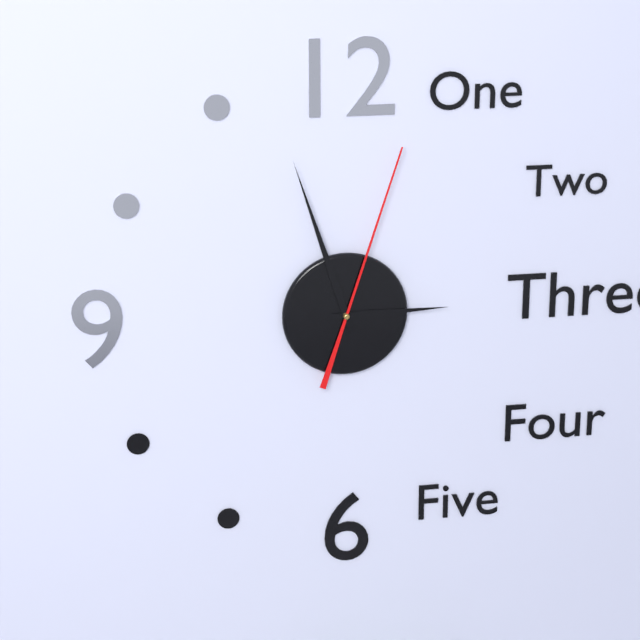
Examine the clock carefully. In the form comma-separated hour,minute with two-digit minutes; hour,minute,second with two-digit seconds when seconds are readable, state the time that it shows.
2,57,03
